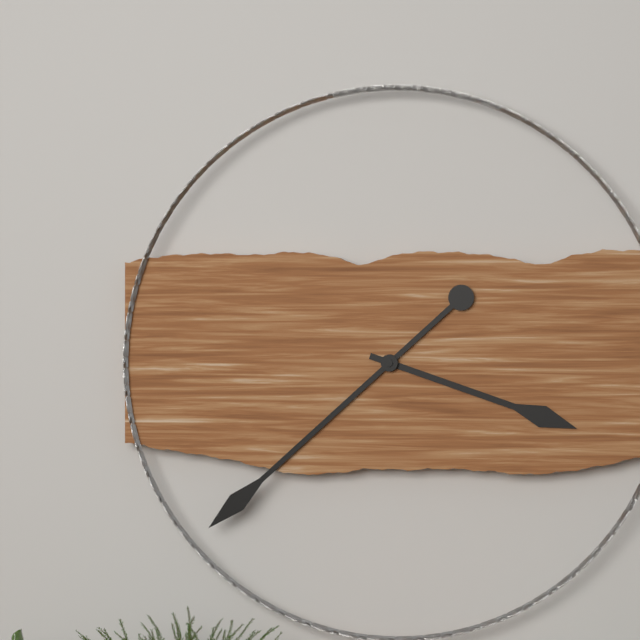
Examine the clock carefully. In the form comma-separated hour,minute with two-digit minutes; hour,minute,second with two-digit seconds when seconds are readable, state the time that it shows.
3,38
